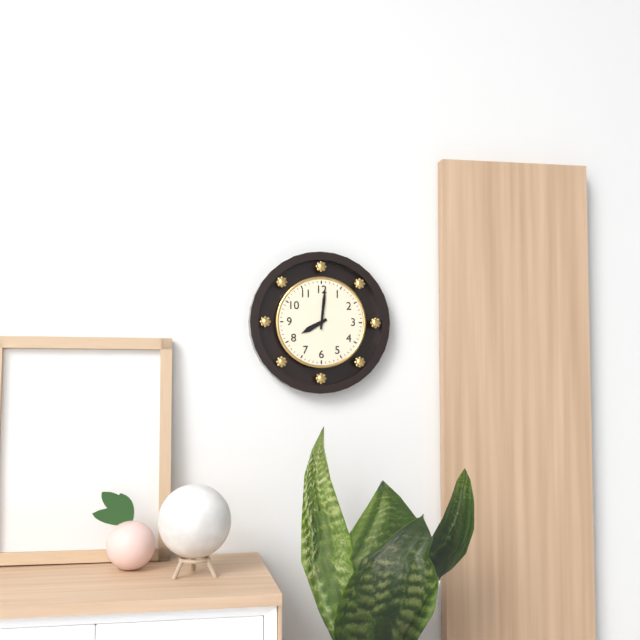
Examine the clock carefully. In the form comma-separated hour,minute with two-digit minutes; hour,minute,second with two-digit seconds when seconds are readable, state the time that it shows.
8,01
